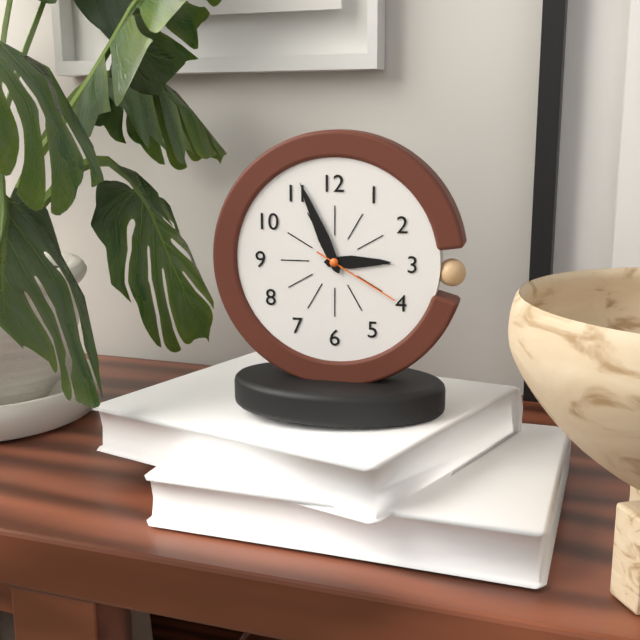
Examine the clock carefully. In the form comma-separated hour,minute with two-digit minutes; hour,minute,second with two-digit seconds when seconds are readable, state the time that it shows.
2,56,20
